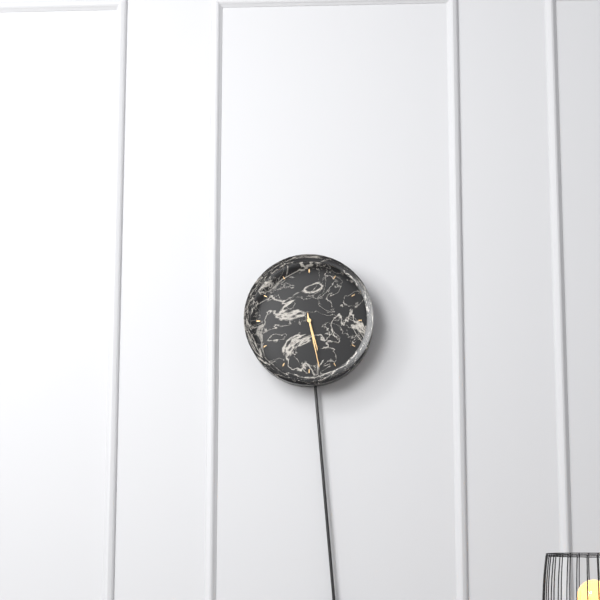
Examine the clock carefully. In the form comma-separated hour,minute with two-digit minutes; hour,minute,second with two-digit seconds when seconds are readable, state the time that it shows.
5,28
